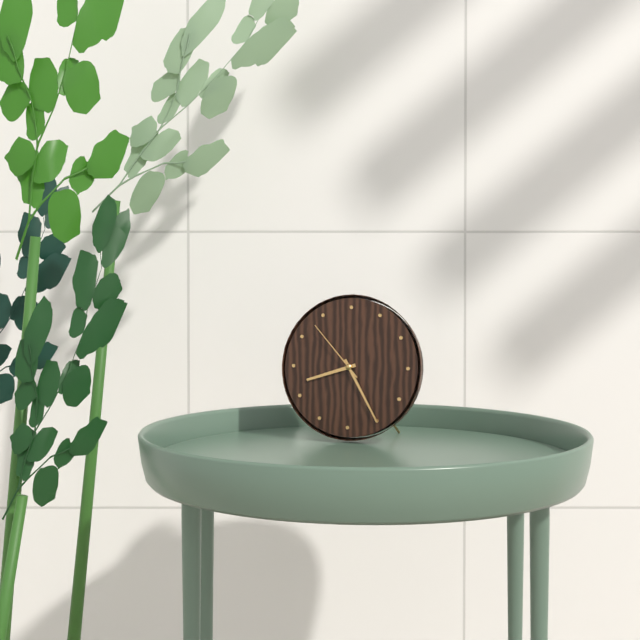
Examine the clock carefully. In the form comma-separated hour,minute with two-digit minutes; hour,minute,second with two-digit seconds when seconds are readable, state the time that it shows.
8,25,53
